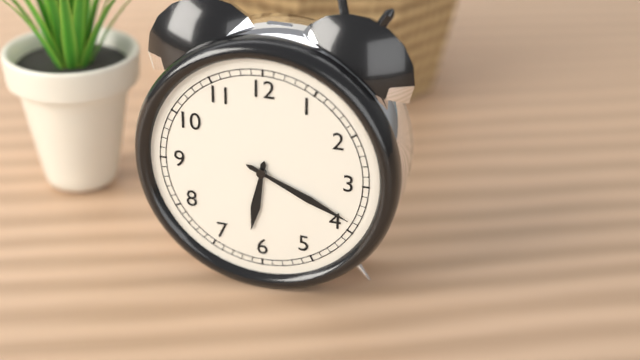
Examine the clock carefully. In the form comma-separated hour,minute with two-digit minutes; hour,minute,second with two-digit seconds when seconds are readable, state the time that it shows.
6,19
